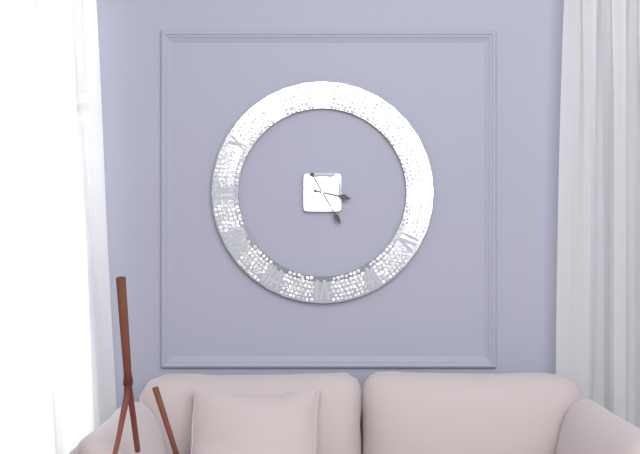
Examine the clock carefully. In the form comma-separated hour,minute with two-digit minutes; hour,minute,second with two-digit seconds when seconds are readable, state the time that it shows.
3,25
